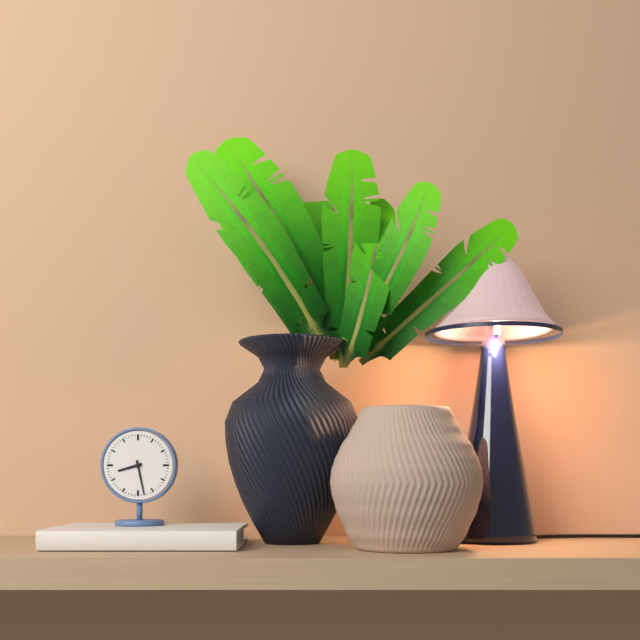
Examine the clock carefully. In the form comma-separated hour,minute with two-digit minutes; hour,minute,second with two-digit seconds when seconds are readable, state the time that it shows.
8,28
